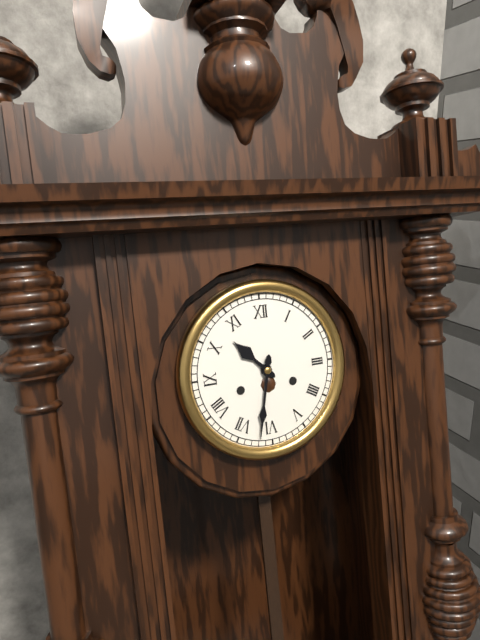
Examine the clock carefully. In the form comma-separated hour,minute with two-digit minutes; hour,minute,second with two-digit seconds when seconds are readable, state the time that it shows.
10,32
